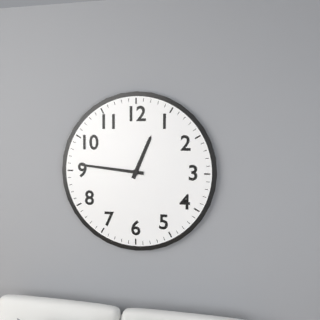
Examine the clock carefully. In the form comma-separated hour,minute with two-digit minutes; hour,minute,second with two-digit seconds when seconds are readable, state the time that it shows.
12,46
